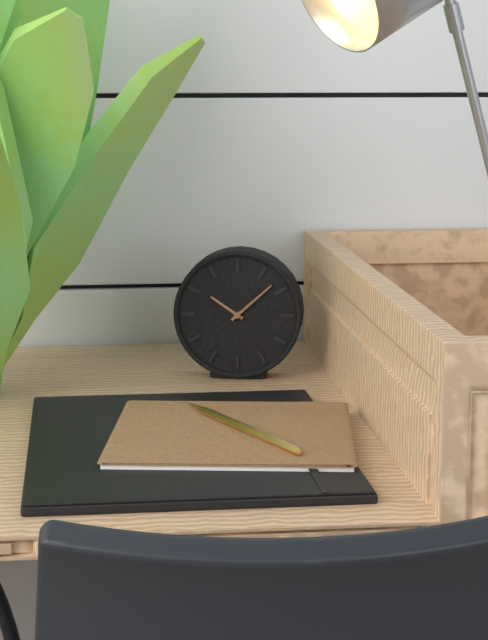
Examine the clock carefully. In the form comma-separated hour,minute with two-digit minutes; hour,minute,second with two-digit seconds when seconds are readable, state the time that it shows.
10,08
